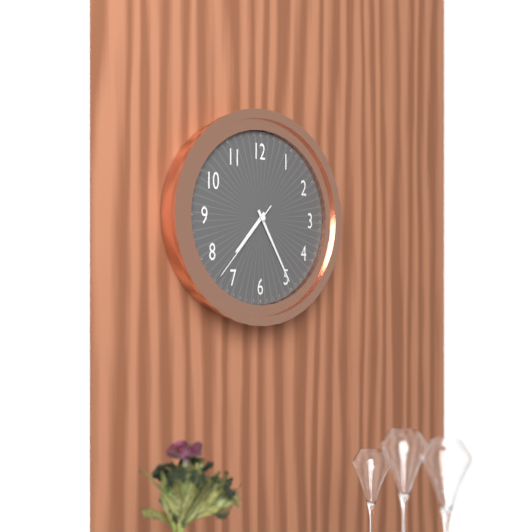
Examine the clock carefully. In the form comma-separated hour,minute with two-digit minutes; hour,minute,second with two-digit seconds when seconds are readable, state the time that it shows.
7,25,37
